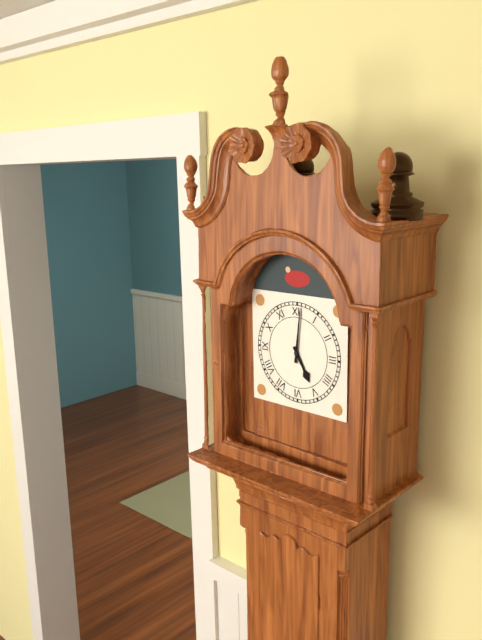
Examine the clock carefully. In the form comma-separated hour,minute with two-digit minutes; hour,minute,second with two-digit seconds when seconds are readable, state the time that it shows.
5,01
